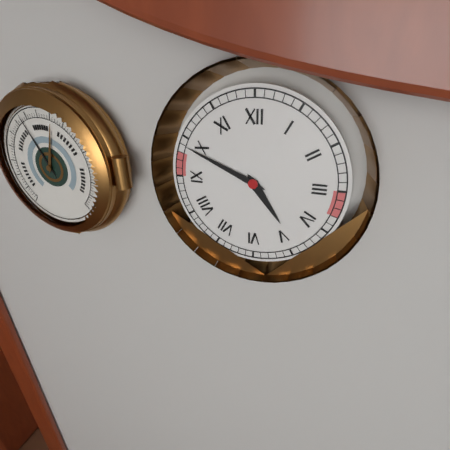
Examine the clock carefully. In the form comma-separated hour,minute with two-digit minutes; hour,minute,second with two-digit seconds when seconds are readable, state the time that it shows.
4,49
